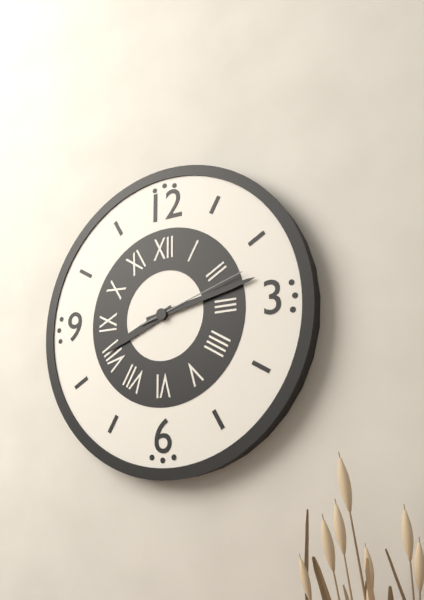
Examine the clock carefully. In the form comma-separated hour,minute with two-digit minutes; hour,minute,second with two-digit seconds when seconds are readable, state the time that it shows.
8,13,12
